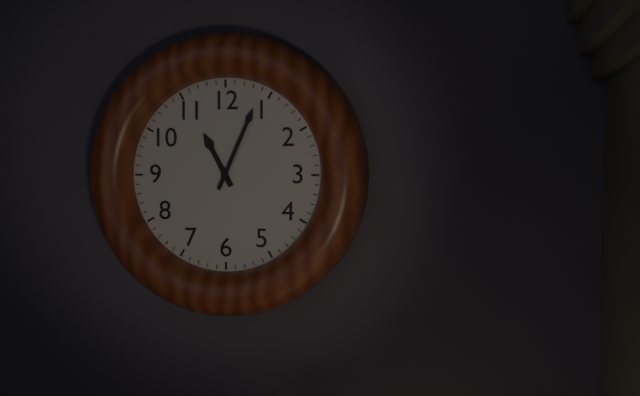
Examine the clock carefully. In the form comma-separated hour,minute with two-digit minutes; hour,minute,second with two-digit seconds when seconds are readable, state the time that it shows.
11,04
